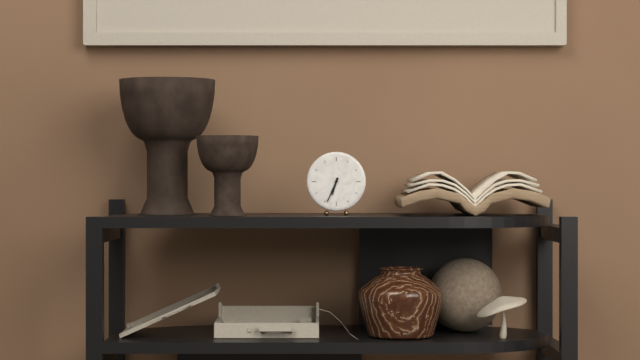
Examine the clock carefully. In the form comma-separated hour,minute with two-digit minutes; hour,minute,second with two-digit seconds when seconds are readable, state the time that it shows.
6,34
